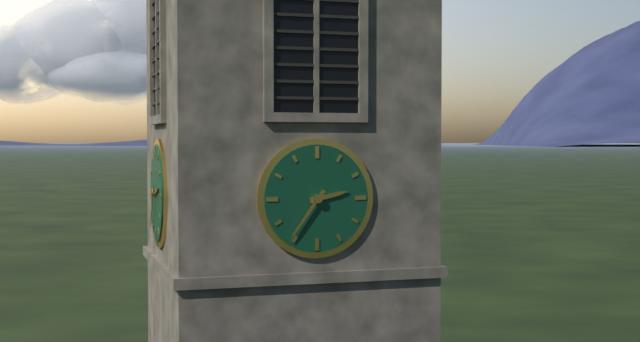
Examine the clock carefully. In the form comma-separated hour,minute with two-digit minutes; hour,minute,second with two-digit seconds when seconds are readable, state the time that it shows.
2,36
